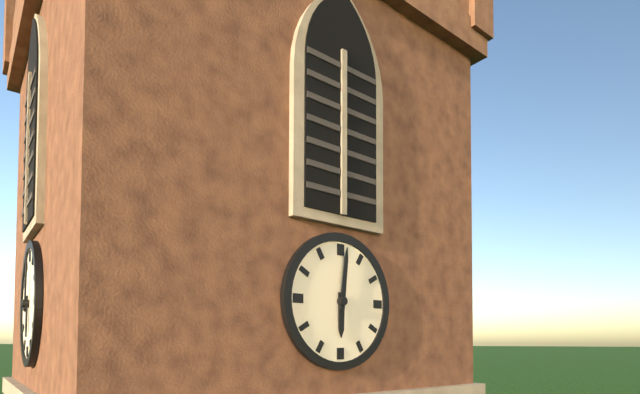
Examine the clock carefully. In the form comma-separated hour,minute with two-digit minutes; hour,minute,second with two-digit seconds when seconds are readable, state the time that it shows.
6,01
